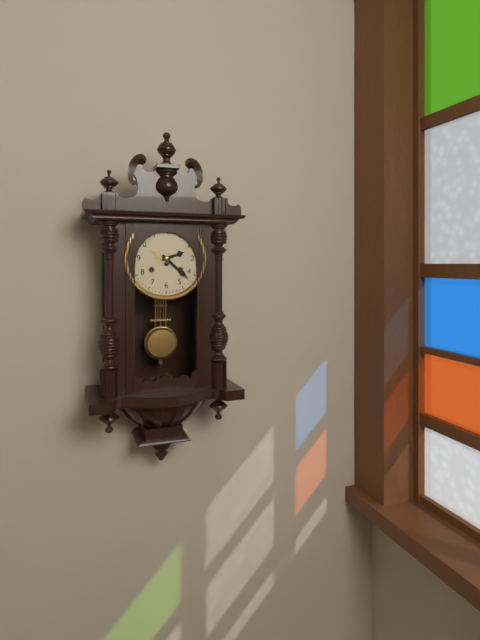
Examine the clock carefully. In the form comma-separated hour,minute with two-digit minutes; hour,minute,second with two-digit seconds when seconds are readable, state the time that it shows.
2,22
